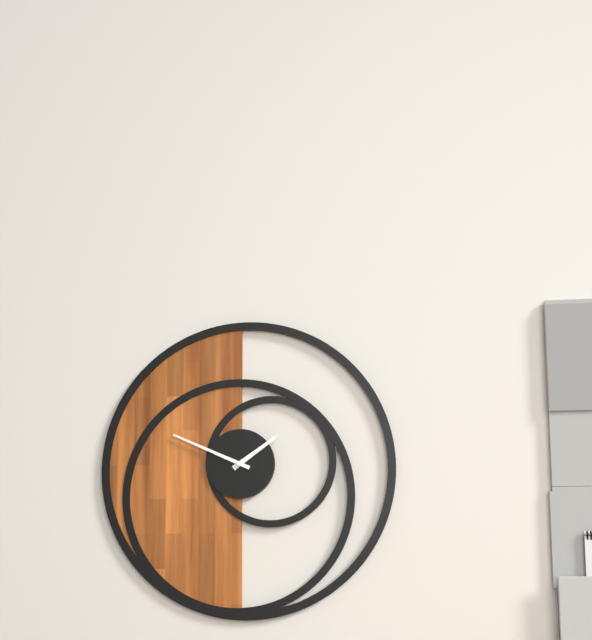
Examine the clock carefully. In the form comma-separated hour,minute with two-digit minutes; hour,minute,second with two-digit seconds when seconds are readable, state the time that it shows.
1,49
